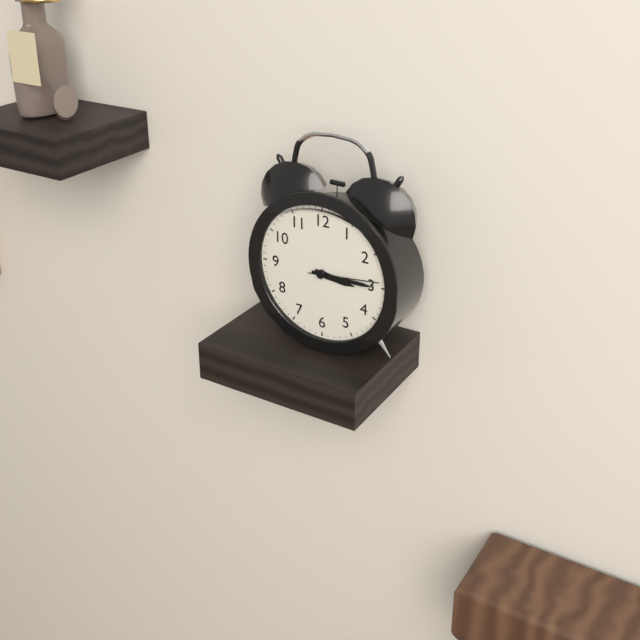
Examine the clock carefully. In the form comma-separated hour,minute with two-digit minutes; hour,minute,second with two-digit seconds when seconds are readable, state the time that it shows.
3,15,14
